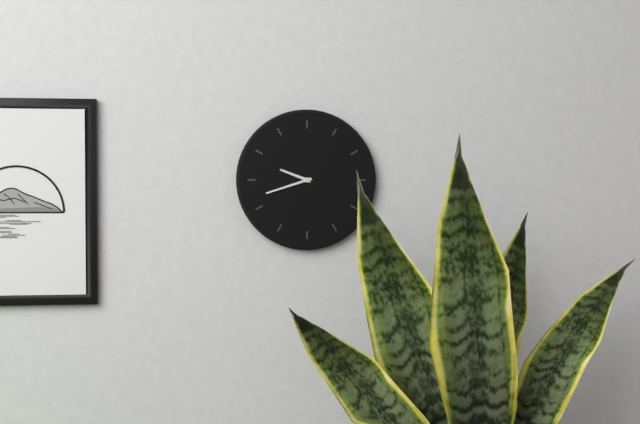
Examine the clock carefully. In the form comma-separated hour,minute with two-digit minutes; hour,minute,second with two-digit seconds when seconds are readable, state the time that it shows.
9,42
